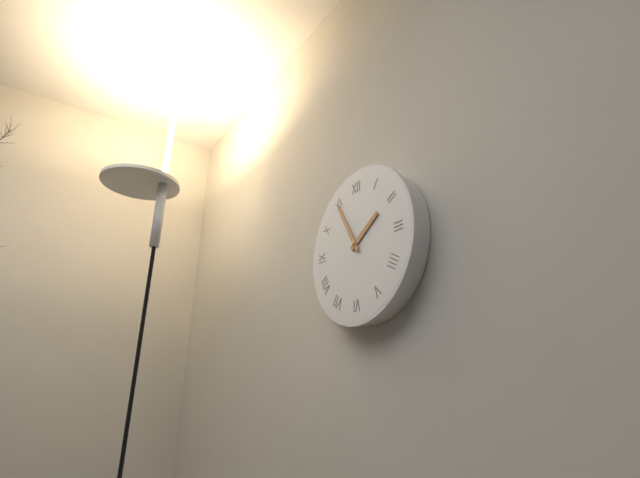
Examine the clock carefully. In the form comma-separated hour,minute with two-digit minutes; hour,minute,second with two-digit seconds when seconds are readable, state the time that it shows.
1,55
